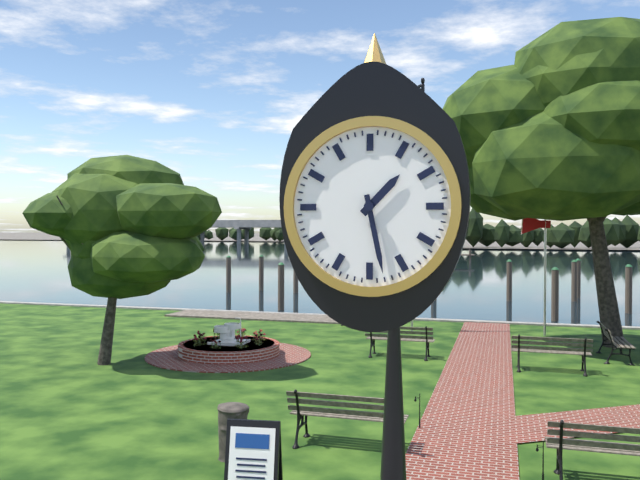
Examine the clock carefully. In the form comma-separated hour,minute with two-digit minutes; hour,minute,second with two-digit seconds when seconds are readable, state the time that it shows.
1,28
